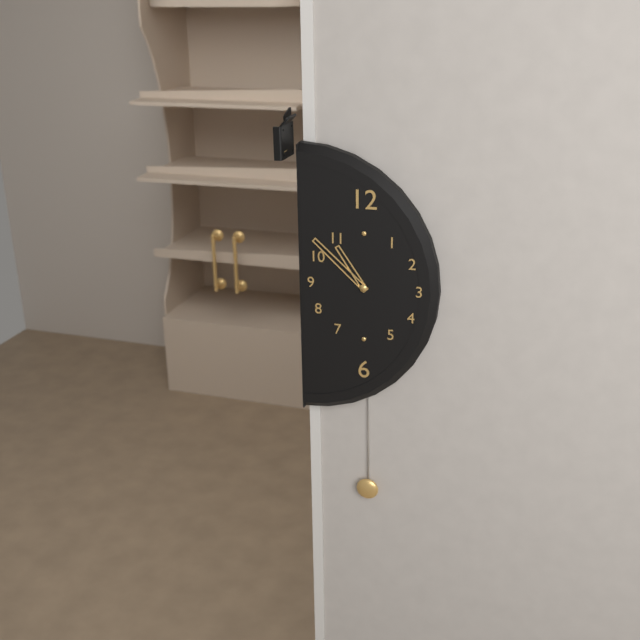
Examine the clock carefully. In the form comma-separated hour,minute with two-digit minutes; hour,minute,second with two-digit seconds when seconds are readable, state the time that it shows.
10,52
